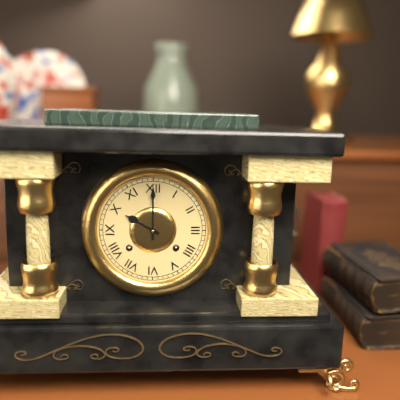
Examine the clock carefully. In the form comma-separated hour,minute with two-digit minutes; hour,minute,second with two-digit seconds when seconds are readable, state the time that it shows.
10,00
